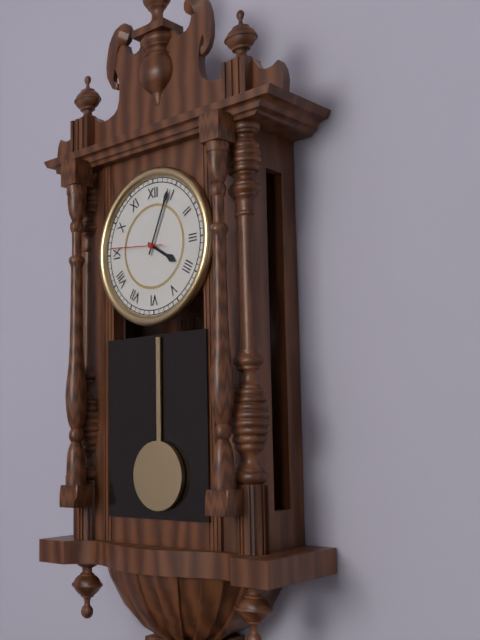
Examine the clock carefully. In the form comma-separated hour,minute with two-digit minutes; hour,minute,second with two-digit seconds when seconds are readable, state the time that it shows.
4,04,46
